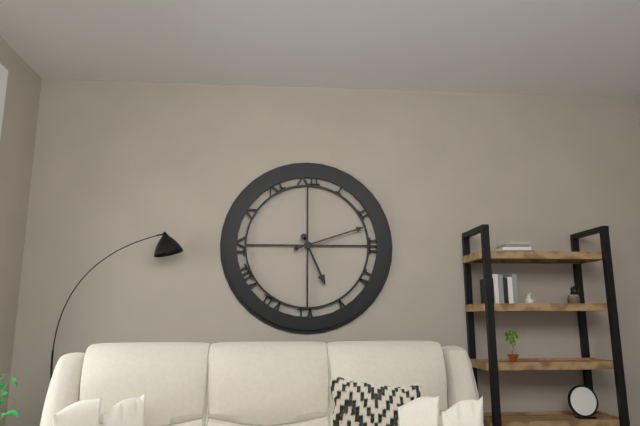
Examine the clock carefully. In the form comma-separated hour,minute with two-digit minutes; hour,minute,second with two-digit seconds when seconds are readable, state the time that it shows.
5,12
